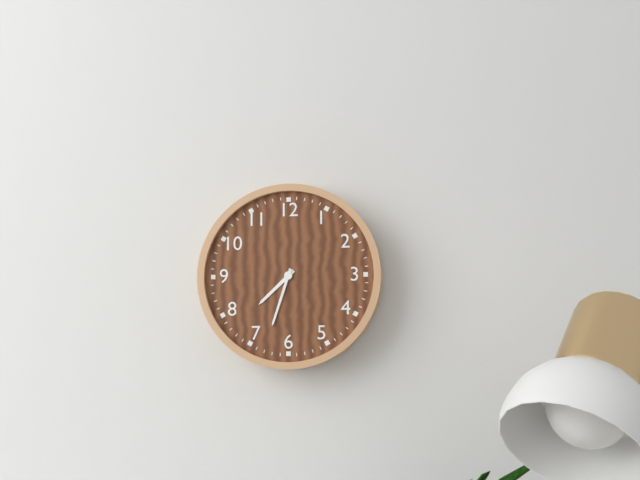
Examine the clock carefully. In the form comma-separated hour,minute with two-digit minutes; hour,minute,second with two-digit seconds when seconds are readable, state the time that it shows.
7,33
